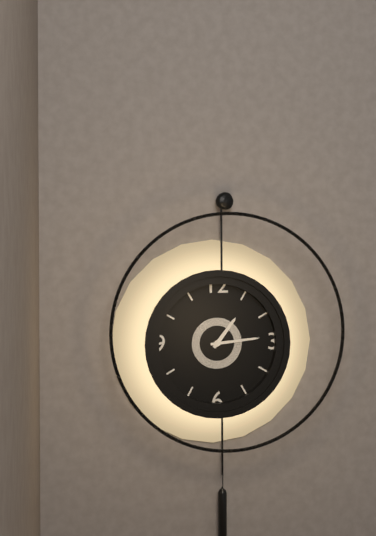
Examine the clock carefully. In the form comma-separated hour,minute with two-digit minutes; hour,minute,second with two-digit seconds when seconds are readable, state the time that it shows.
1,14
